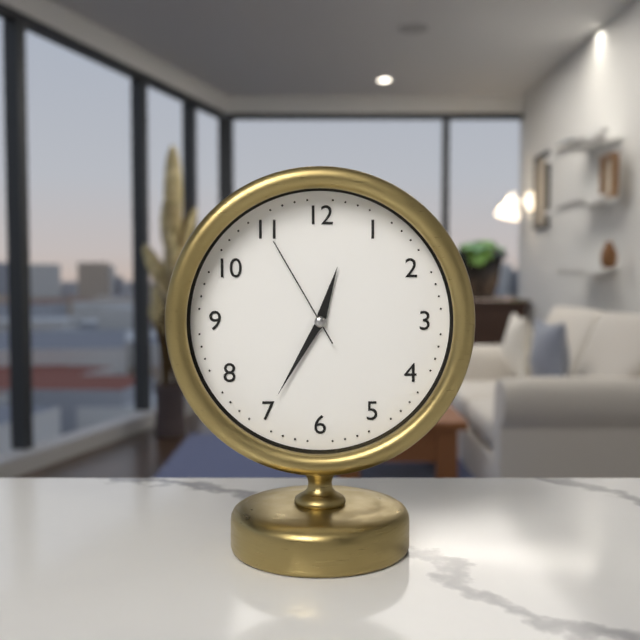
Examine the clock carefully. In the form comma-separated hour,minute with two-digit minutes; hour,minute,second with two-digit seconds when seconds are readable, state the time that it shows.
12,35,55
